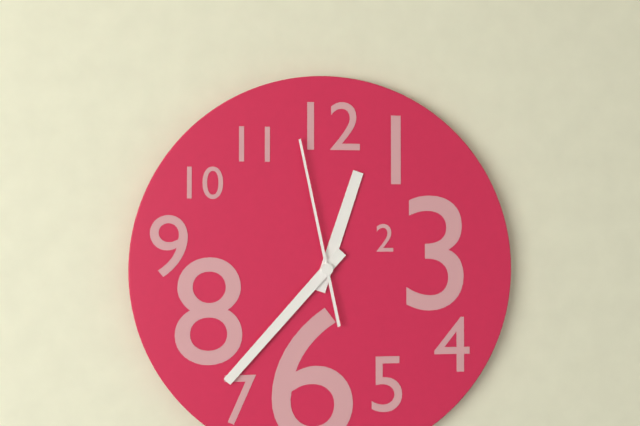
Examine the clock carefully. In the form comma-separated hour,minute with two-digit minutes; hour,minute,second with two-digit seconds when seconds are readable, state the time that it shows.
12,37,58
